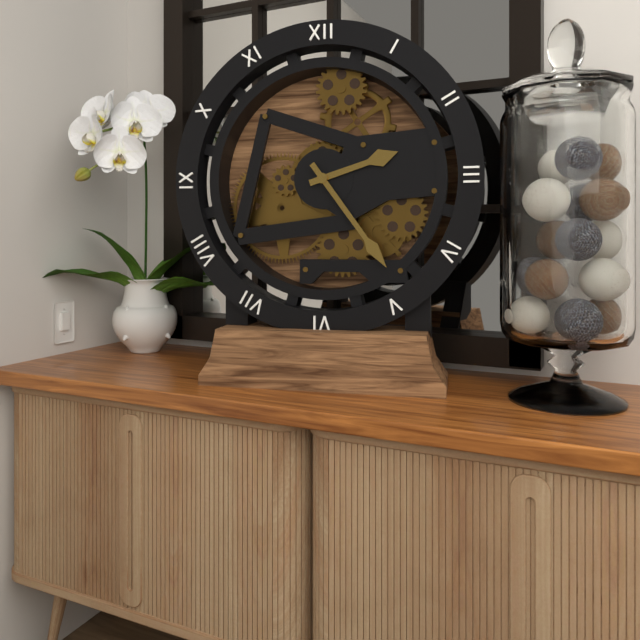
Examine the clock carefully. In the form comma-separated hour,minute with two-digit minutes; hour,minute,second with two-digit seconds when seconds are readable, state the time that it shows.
2,24
